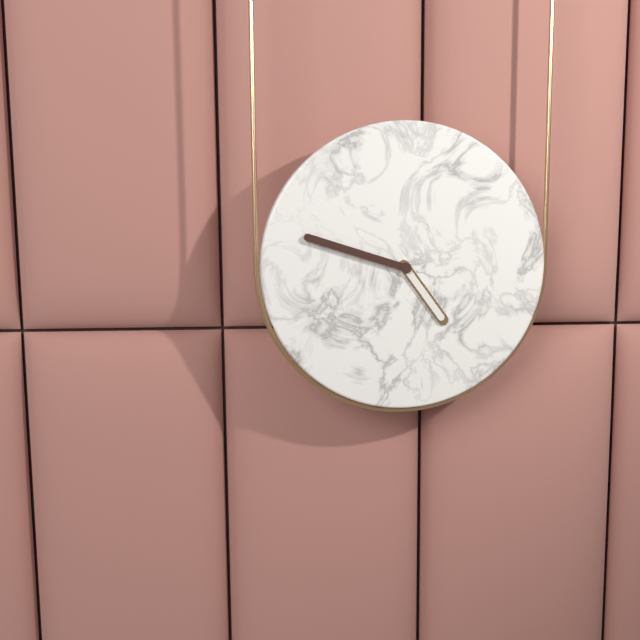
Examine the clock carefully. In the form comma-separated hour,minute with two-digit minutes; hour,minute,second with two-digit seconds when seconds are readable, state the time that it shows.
4,48
